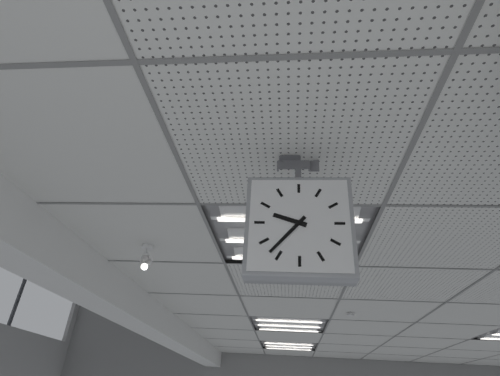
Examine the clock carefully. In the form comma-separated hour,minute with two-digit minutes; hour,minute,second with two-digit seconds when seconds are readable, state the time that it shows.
9,37
